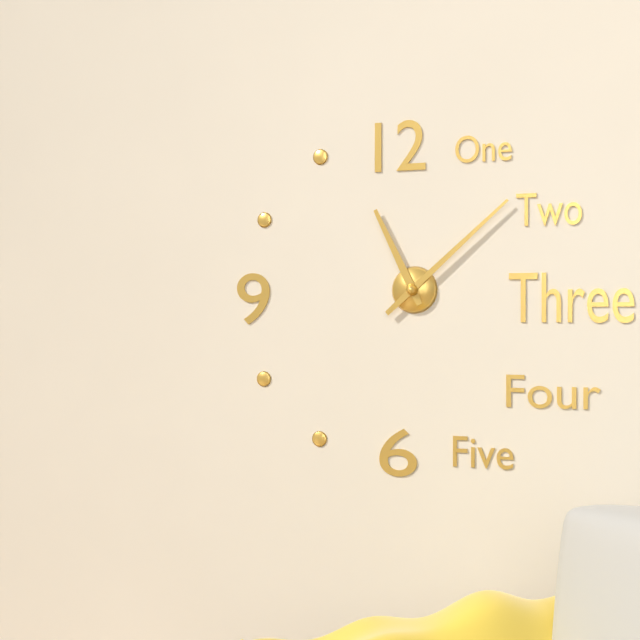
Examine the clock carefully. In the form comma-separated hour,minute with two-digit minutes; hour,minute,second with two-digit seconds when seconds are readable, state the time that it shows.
11,08
